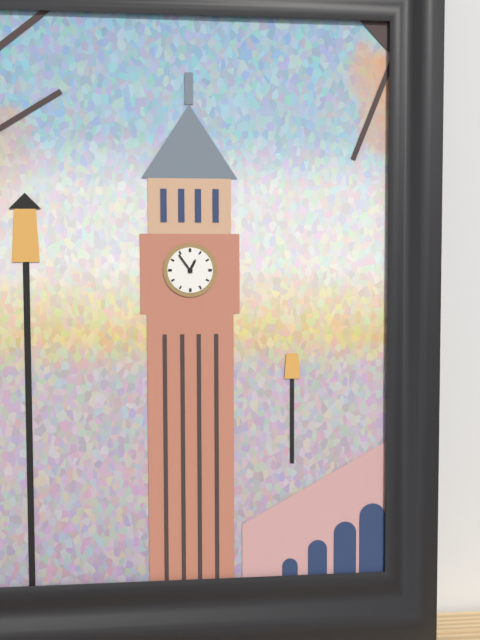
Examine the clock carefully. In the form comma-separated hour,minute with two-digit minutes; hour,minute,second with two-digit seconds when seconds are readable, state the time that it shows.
12,54
